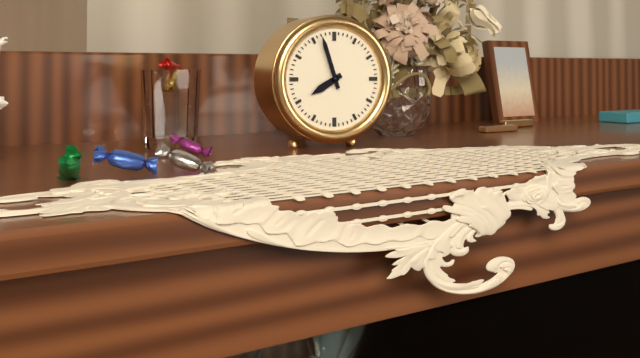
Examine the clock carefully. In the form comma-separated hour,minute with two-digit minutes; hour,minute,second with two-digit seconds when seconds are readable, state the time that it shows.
7,57
